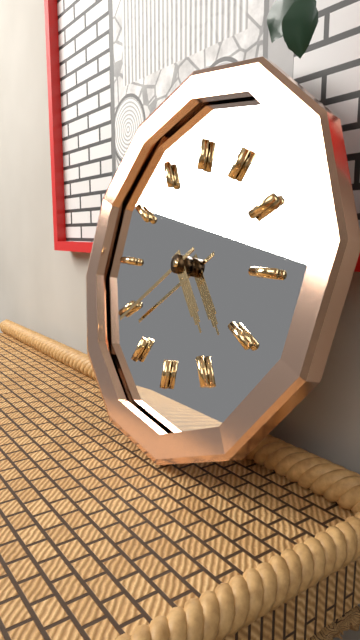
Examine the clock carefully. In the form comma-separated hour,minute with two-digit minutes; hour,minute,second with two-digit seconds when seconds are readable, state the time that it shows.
4,39
